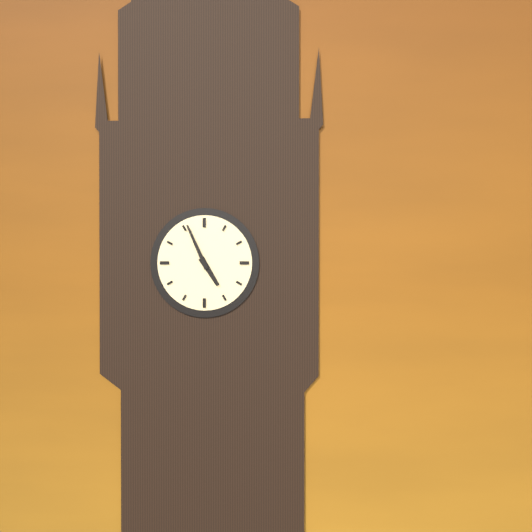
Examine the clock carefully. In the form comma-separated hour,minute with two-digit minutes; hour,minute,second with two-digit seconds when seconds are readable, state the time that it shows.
4,56
